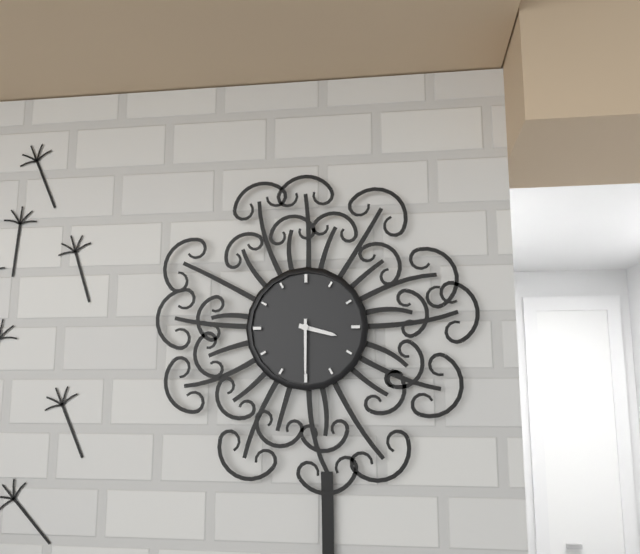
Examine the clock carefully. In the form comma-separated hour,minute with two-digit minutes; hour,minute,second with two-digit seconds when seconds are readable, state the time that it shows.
3,30
